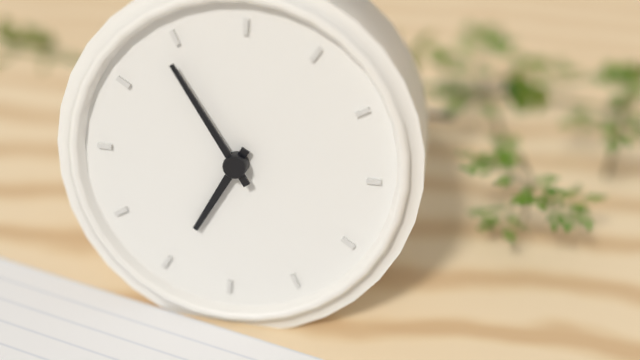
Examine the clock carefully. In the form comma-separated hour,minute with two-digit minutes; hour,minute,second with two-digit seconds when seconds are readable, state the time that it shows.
6,54
